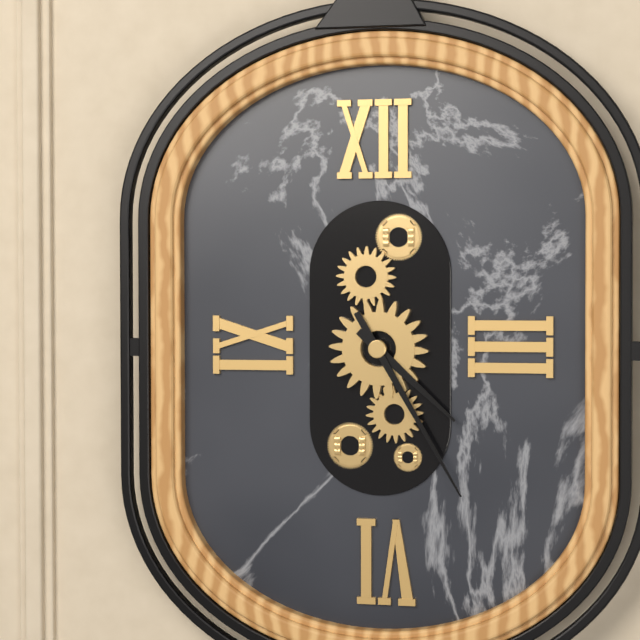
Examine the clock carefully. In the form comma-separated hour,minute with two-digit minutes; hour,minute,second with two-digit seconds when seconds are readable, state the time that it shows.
4,25
